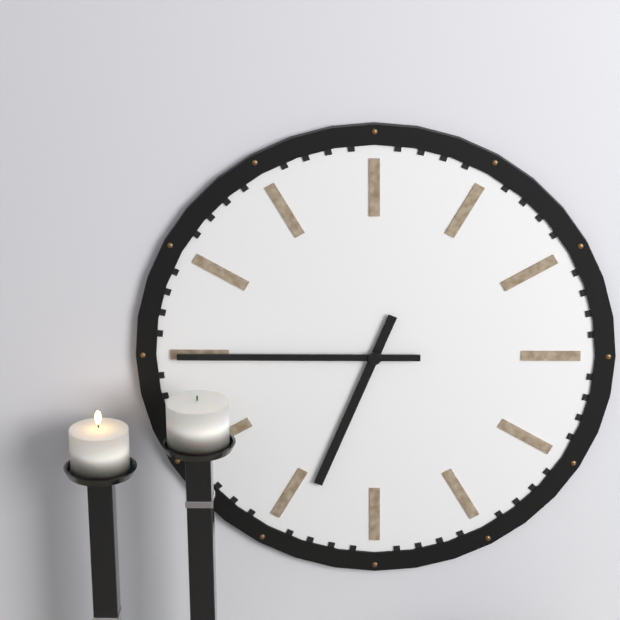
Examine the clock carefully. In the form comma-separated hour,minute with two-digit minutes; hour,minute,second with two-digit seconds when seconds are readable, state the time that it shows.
6,45
